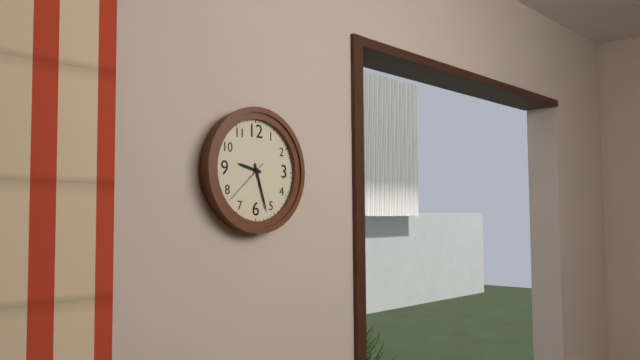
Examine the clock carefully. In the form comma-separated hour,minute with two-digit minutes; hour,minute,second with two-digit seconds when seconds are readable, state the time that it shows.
9,27
